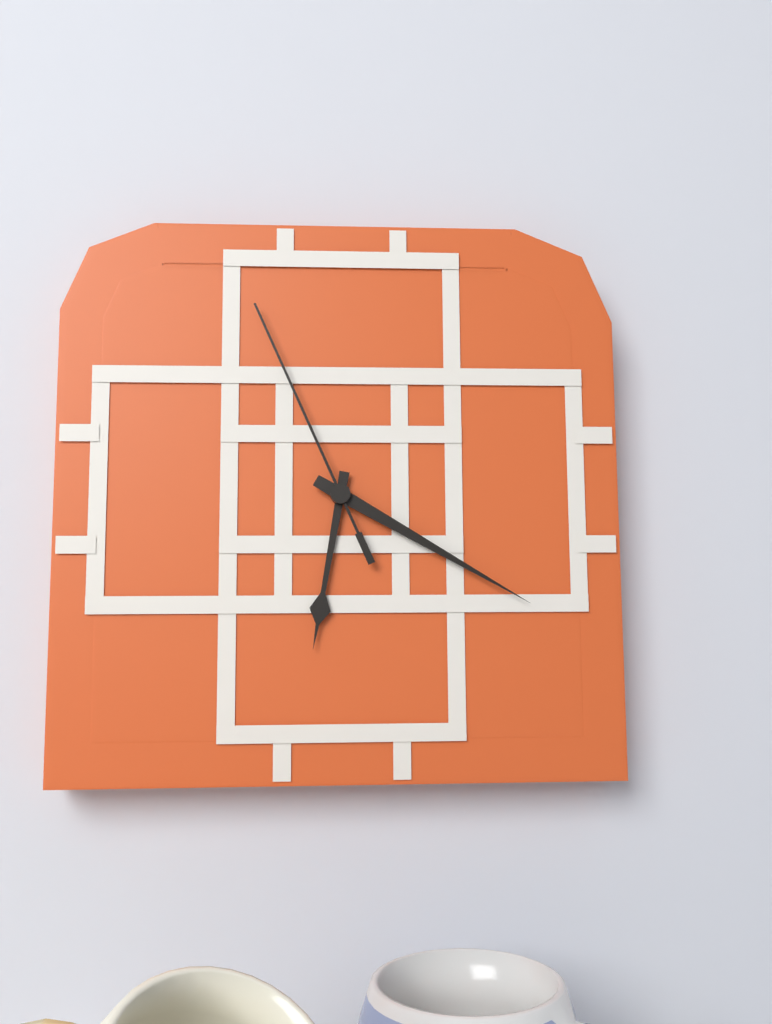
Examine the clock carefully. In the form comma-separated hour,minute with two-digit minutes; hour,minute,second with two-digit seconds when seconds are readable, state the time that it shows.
6,20,56
